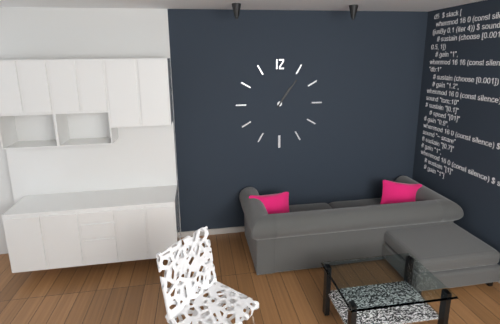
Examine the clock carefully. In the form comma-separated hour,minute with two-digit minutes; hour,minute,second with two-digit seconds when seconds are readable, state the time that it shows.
1,06
